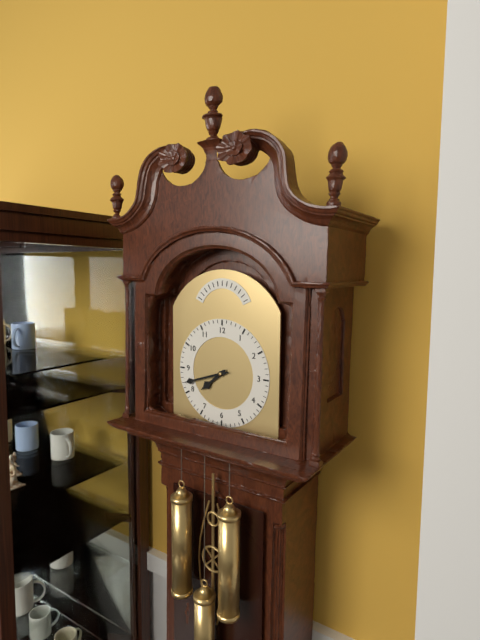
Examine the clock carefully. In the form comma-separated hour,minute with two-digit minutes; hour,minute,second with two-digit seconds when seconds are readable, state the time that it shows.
7,42
